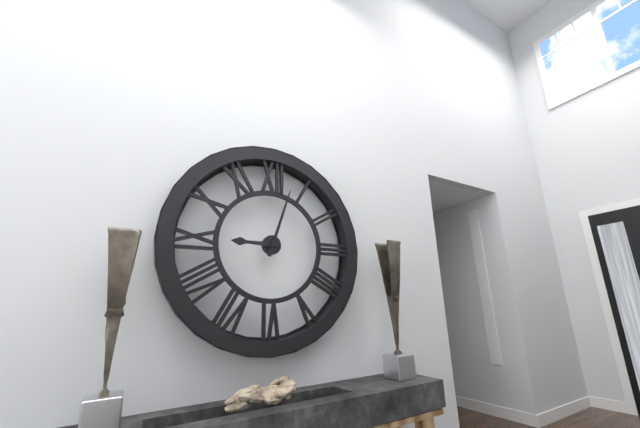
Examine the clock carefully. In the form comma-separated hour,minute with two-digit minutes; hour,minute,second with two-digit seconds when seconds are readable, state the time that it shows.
9,03
